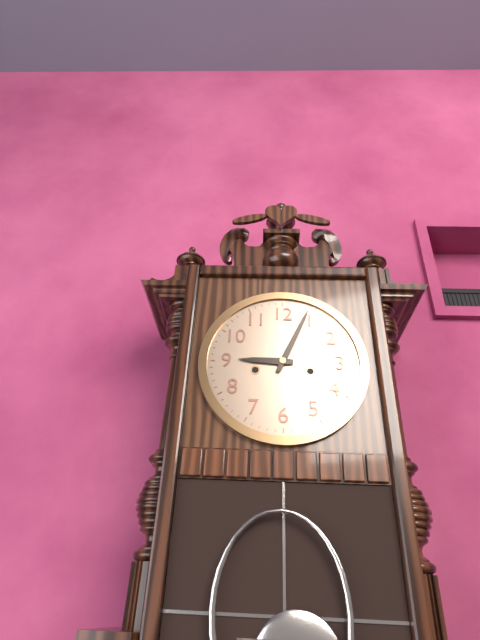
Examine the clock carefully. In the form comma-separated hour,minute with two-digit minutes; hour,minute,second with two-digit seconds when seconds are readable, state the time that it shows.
9,04
